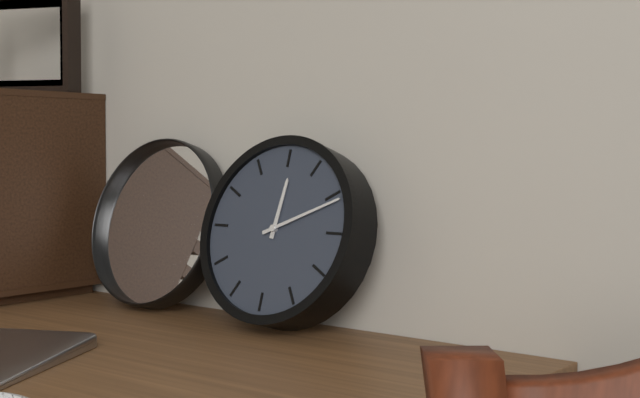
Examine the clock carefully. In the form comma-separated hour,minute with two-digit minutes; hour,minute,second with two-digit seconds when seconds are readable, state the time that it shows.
12,11
